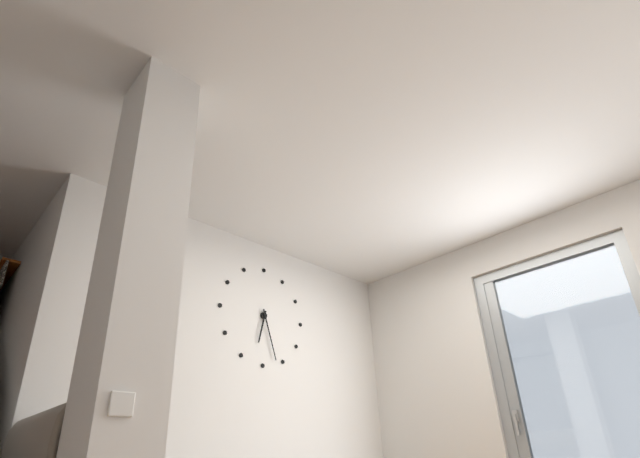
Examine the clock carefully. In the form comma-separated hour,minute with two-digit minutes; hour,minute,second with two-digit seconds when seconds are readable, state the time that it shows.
6,27
